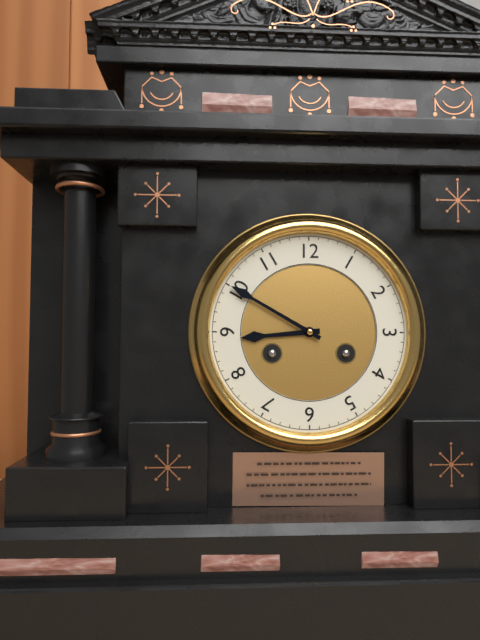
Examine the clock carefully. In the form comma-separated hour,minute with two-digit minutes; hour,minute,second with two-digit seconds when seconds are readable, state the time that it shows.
8,50
